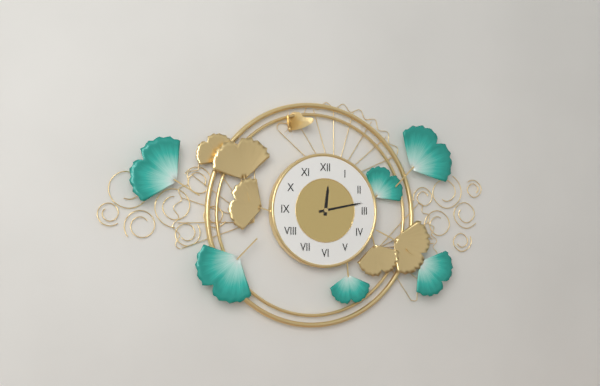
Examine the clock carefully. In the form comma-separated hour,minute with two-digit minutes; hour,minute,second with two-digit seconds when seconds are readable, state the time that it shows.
12,13
